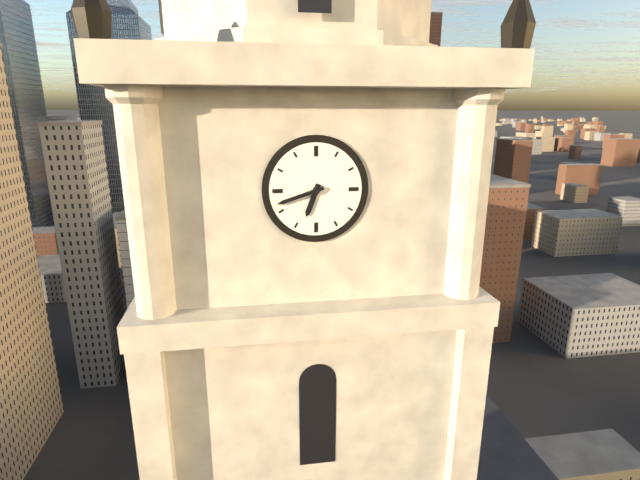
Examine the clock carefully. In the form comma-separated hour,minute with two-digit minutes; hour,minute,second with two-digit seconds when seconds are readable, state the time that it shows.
6,42
